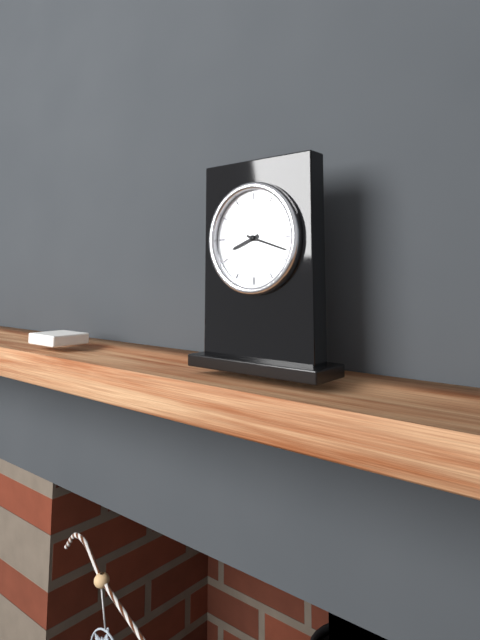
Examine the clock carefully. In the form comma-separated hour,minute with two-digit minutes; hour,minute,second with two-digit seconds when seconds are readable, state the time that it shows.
8,18
